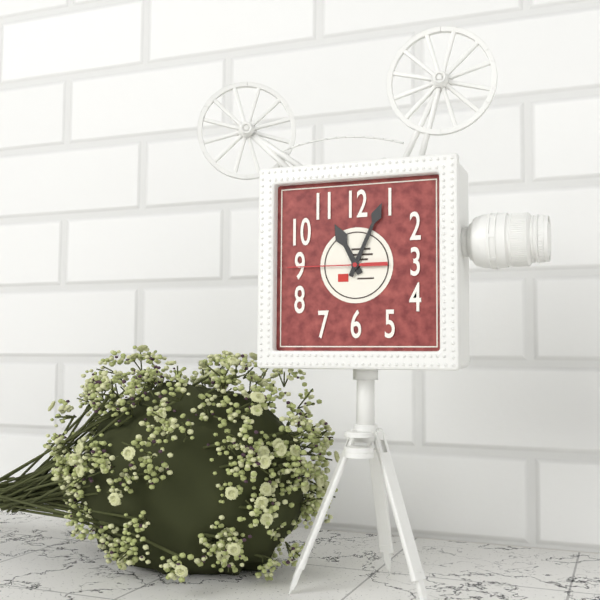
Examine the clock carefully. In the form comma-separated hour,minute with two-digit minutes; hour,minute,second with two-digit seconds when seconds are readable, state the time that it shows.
11,04,45
